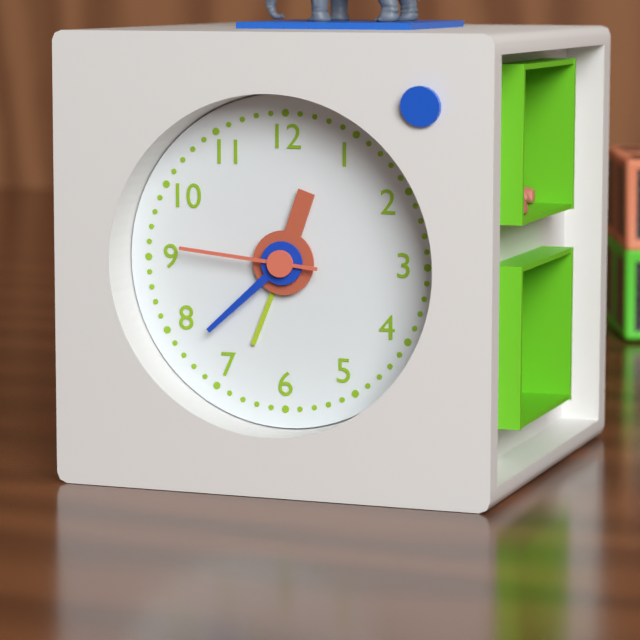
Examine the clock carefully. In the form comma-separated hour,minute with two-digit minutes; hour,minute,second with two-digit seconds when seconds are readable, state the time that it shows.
12,38,46
